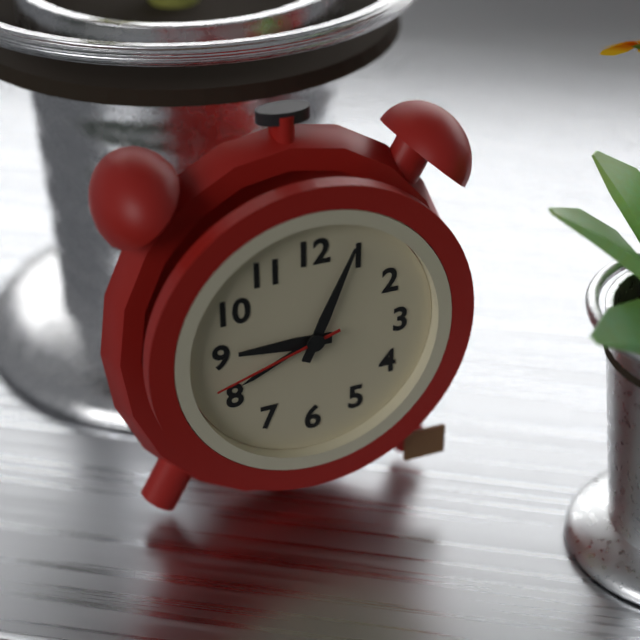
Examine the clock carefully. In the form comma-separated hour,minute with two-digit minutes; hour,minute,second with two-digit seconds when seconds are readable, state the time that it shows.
9,04,42
